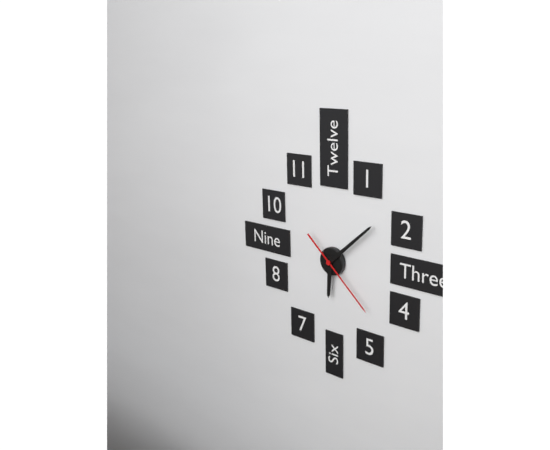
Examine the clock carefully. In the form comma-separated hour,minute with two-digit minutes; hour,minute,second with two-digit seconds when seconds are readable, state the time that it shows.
6,08,22
